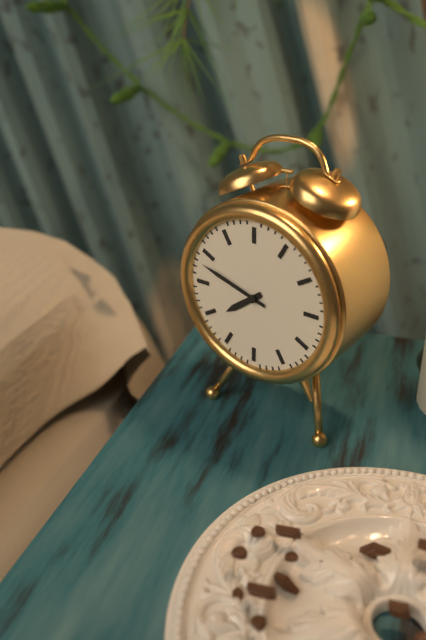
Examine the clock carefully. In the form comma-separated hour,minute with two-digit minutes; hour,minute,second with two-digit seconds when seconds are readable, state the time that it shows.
7,48
